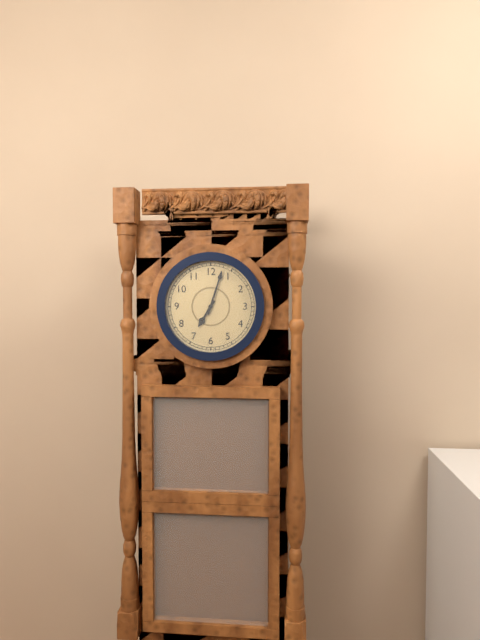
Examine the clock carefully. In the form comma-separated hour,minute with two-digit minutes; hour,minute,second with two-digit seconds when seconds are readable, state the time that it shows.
7,03
